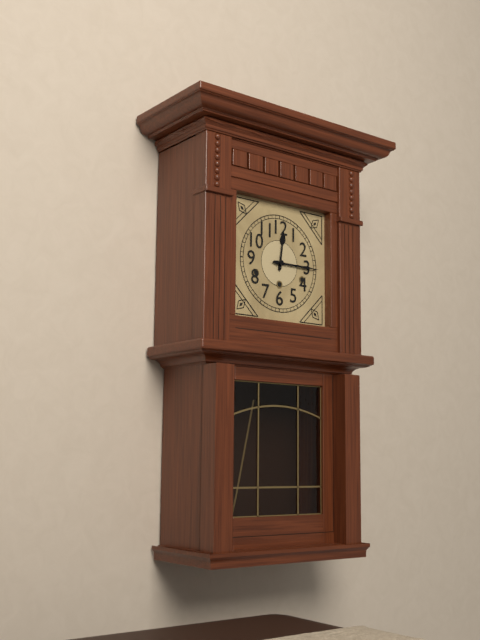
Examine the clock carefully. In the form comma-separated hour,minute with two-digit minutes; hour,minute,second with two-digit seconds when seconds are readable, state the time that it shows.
12,15
